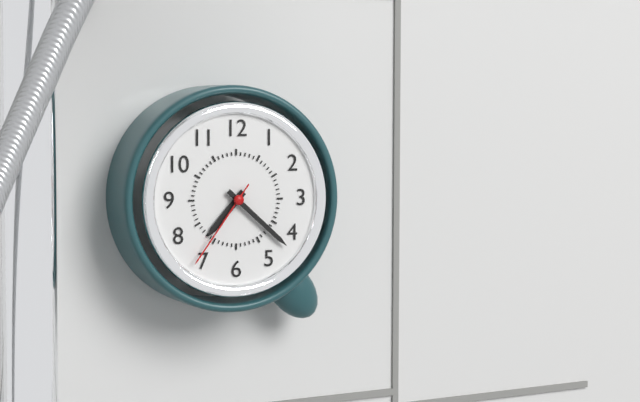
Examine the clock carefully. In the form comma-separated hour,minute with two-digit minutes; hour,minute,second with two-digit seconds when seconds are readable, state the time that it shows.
7,22,36
